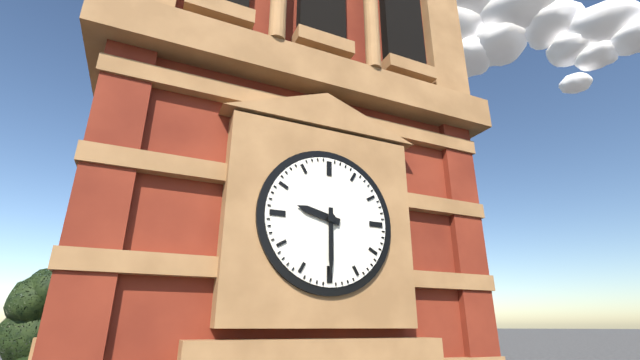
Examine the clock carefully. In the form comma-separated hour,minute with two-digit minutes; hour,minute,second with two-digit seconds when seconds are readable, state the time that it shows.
9,30
